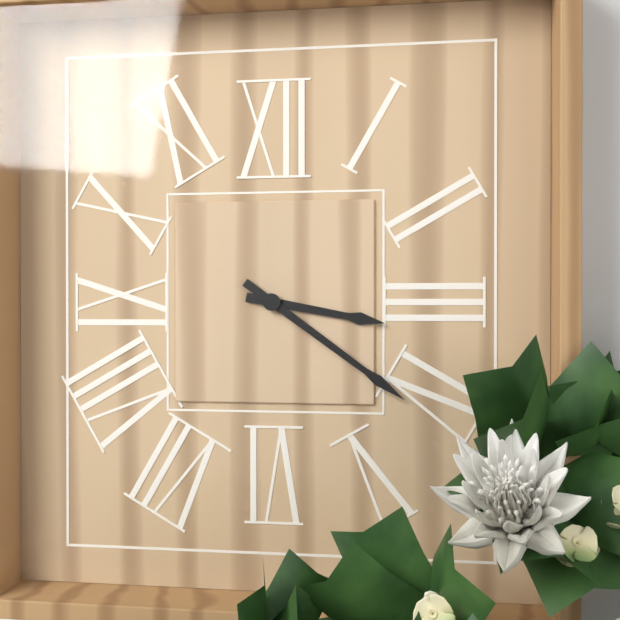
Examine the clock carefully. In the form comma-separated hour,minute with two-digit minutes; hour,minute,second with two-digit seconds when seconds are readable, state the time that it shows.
3,21
